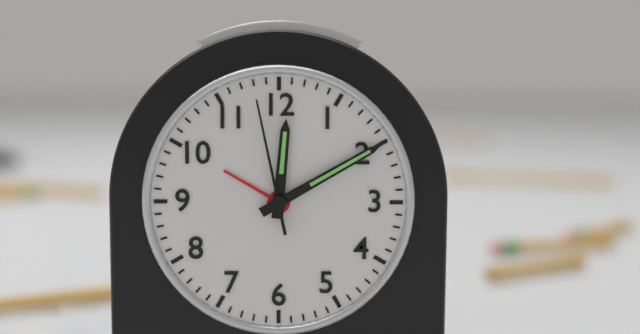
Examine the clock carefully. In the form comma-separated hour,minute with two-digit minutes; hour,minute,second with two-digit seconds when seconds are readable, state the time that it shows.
12,10,58
